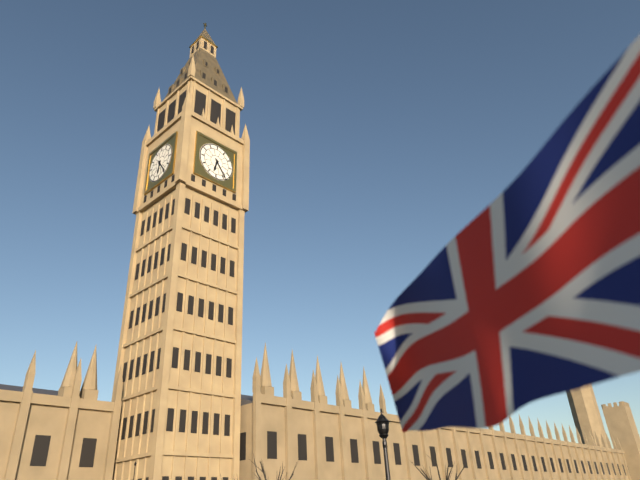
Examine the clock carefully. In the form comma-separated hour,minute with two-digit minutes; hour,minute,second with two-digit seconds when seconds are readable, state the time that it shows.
6,24
